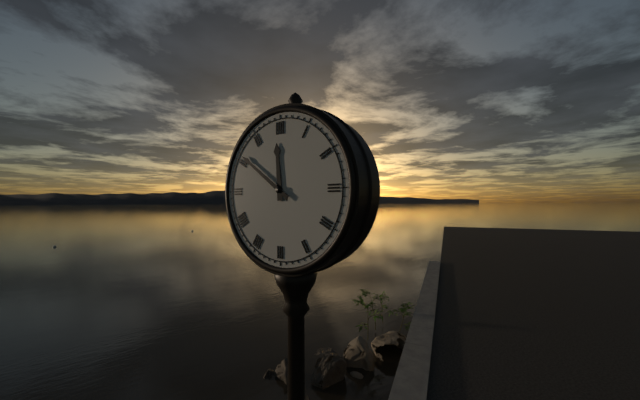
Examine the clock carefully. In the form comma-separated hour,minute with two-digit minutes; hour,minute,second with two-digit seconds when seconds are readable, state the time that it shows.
11,51
